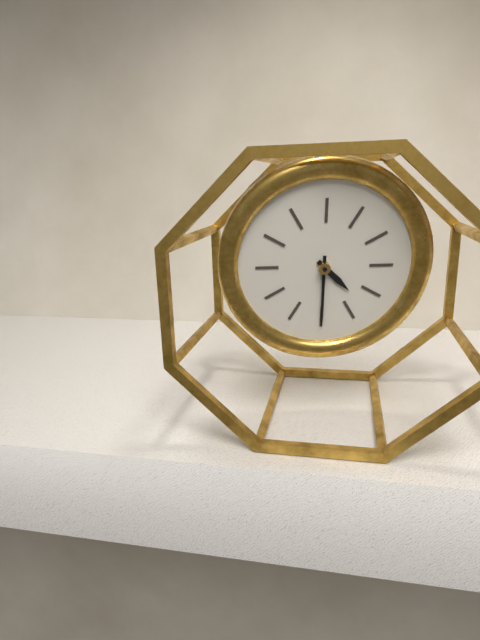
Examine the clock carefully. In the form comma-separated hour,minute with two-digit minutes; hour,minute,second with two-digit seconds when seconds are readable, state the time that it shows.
4,30
